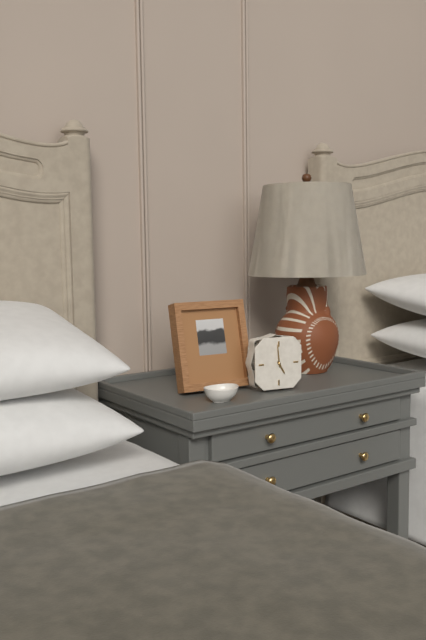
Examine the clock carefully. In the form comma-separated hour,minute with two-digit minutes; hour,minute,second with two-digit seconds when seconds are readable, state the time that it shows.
4,59
